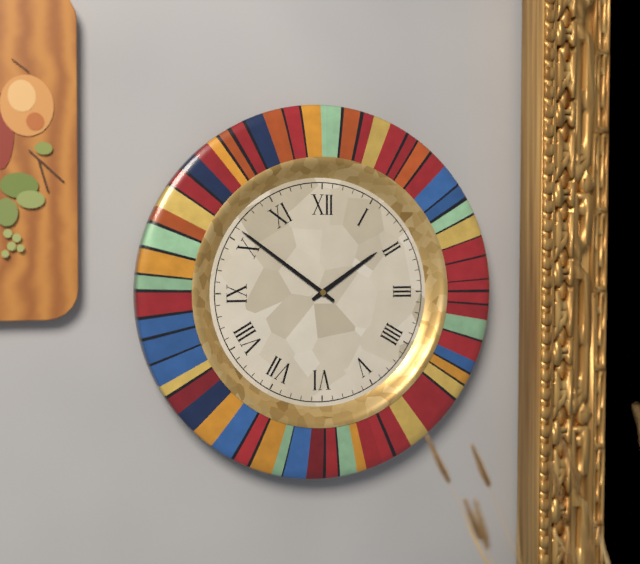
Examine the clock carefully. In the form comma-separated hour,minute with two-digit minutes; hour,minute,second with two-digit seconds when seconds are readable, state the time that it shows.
1,51
